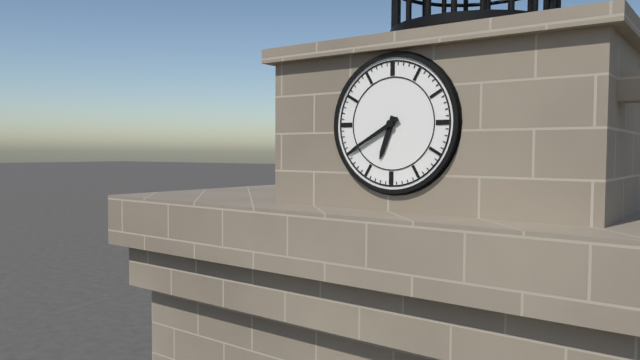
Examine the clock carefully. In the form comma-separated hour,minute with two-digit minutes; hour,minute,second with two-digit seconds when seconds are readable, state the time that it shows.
6,40
